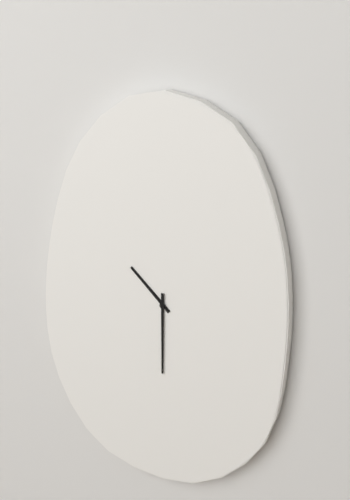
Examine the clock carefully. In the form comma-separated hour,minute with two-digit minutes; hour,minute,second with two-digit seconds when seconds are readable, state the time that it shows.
10,30
